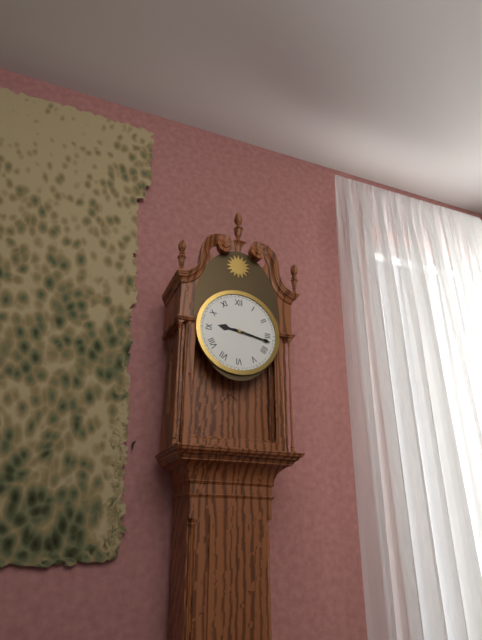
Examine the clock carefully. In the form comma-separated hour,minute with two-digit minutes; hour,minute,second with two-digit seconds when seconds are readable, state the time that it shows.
9,17
